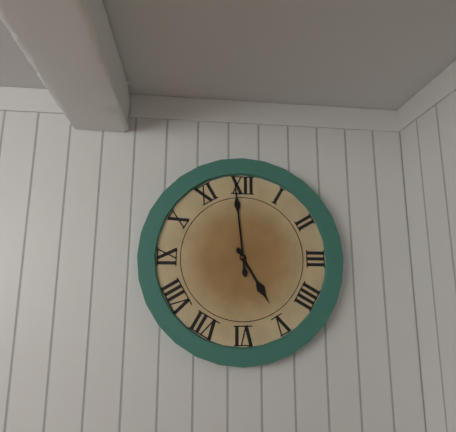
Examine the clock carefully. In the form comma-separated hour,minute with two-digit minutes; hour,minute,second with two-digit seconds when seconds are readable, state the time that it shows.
4,59
